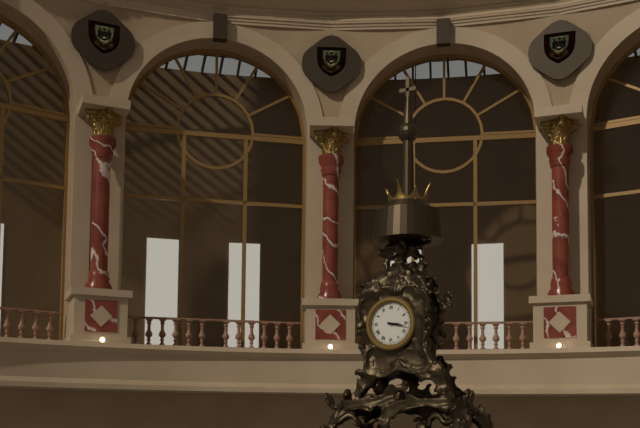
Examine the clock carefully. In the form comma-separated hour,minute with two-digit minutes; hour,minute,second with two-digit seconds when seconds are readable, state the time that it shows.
3,17
